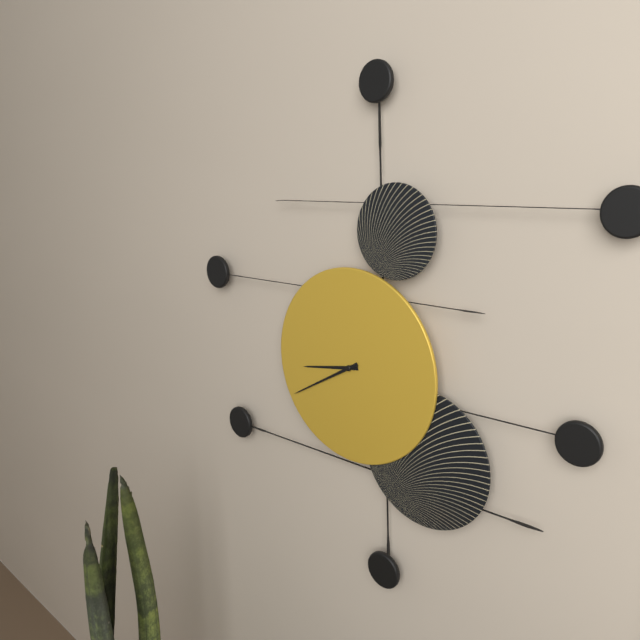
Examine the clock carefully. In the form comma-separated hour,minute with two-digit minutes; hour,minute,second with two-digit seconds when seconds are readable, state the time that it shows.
8,40
